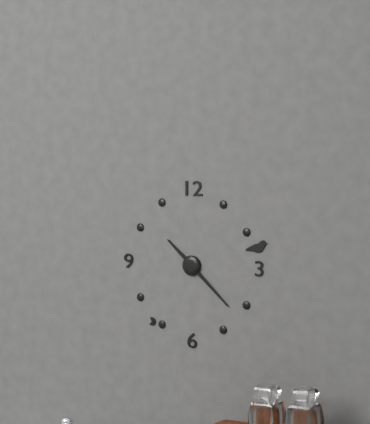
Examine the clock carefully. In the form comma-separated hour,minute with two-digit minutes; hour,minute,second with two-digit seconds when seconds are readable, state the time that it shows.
10,22
